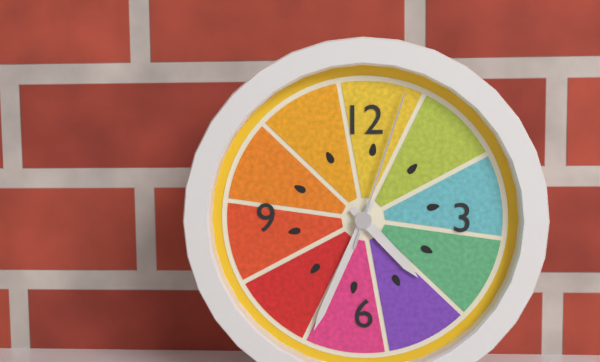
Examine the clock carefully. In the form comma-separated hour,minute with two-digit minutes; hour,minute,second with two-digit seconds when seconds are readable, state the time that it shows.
4,34,03
